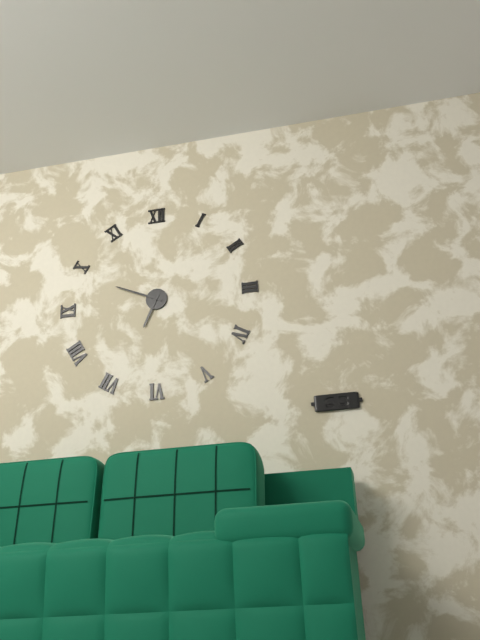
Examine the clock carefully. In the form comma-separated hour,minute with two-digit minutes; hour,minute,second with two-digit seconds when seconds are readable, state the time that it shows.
6,49
